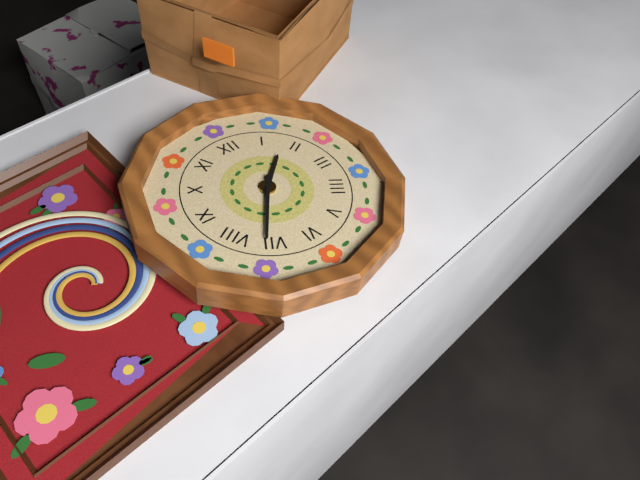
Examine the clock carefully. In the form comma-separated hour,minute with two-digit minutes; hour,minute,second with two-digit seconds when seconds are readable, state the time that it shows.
1,36
